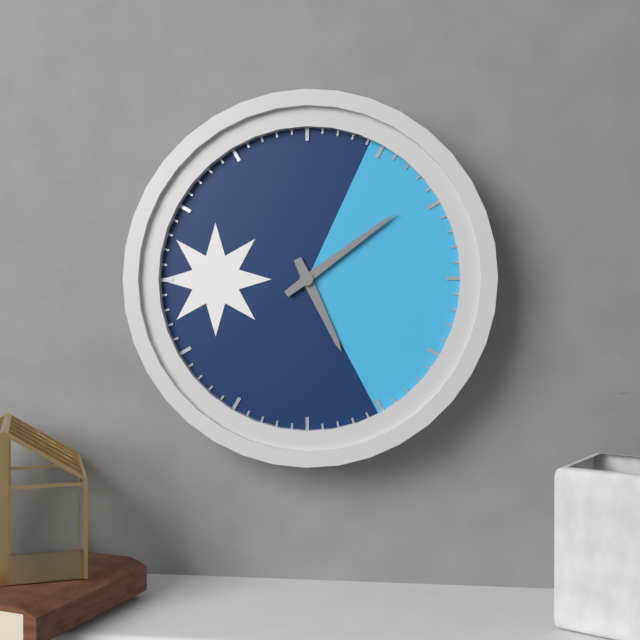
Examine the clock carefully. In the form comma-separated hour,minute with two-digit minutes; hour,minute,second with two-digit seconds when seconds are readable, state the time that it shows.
5,09
